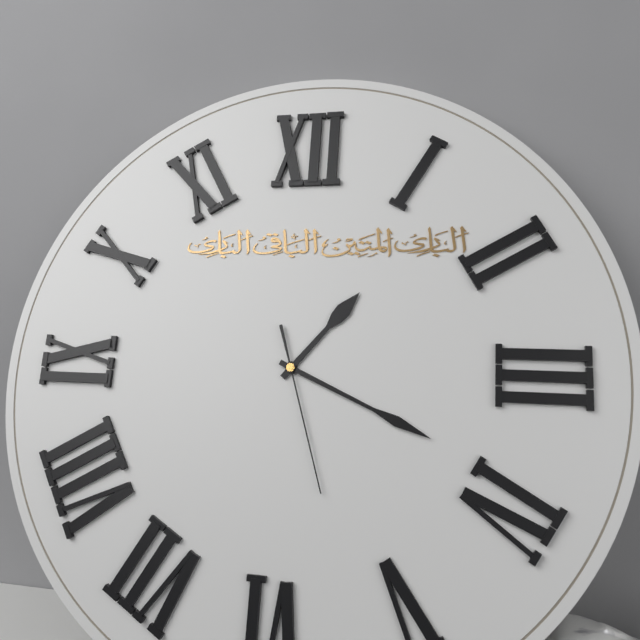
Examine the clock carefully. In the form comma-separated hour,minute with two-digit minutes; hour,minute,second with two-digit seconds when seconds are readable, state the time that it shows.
1,19,27
